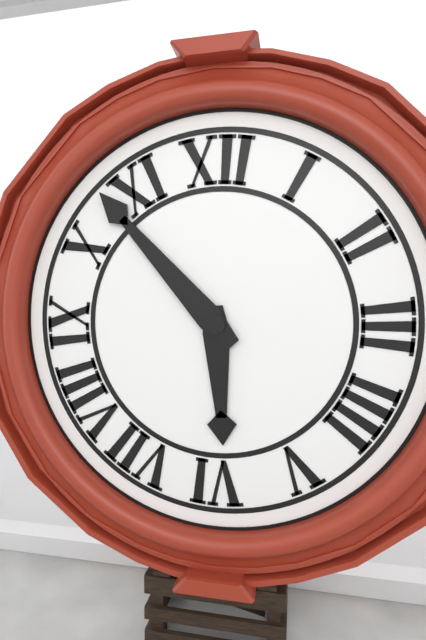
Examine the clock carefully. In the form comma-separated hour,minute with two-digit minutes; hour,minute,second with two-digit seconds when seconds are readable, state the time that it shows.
5,53
